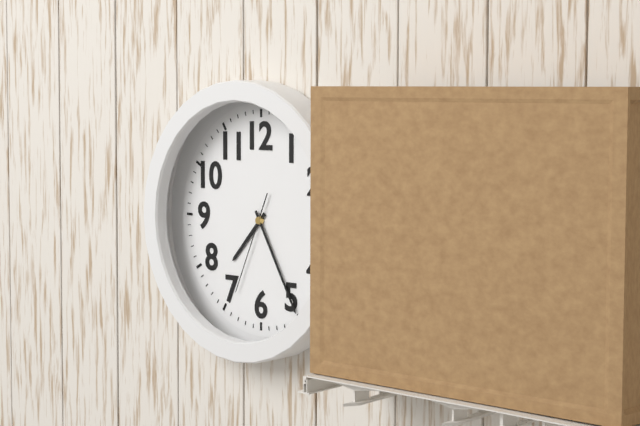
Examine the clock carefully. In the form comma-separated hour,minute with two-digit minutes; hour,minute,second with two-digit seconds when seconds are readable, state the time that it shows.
7,25,34
